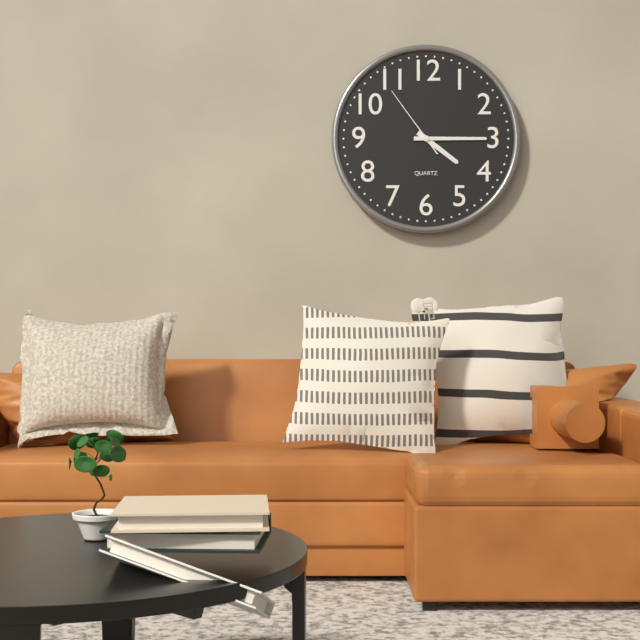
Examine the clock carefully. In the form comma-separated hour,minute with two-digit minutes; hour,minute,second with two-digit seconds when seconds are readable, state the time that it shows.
4,15,54
